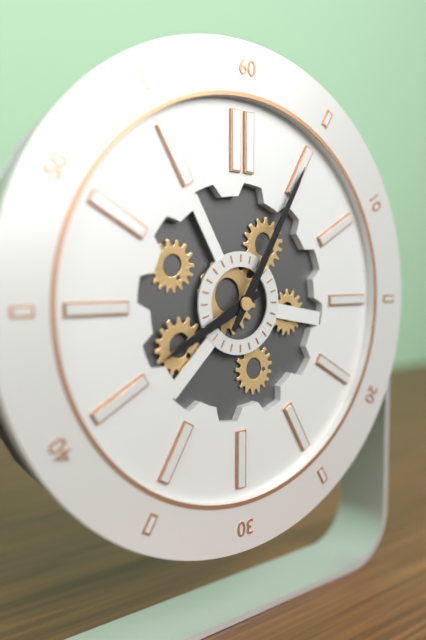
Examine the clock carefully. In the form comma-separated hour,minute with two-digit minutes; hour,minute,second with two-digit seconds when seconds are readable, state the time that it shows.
8,05
